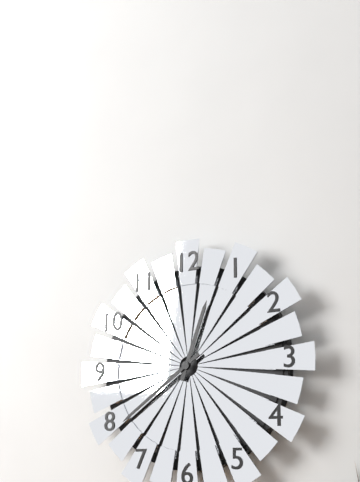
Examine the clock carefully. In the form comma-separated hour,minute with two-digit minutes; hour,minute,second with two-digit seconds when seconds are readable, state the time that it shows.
12,39
